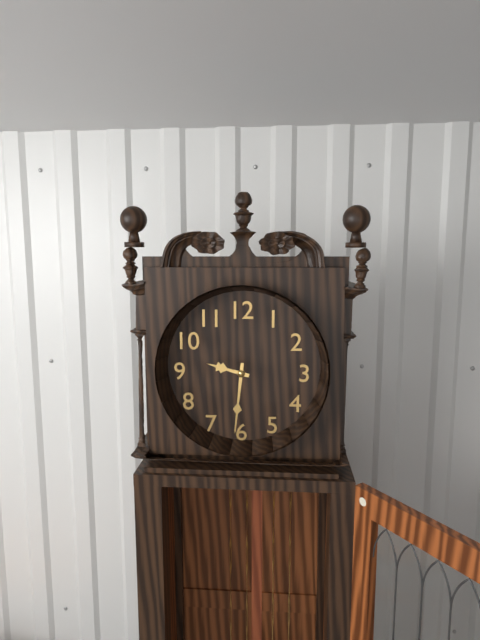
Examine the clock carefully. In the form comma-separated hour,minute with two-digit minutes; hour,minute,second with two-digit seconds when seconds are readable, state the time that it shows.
9,31
